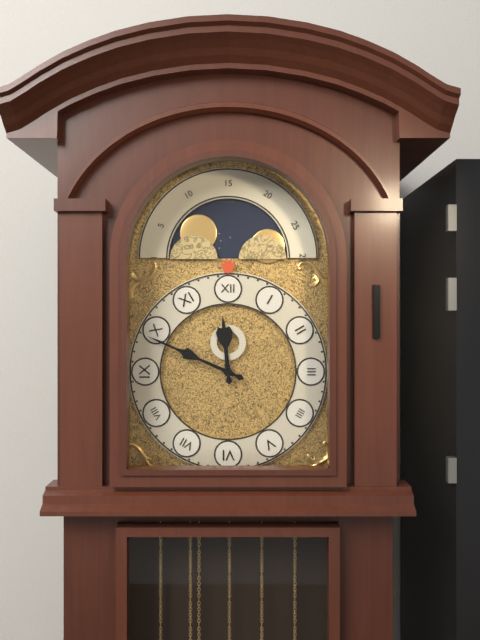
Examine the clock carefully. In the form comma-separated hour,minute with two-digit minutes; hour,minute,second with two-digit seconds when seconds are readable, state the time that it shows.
11,49
